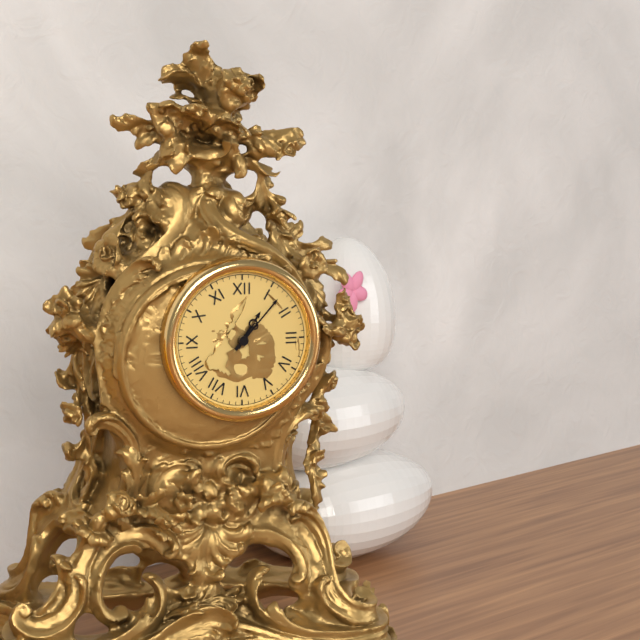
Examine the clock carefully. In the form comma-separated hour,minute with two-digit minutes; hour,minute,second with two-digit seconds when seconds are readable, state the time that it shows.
1,07
